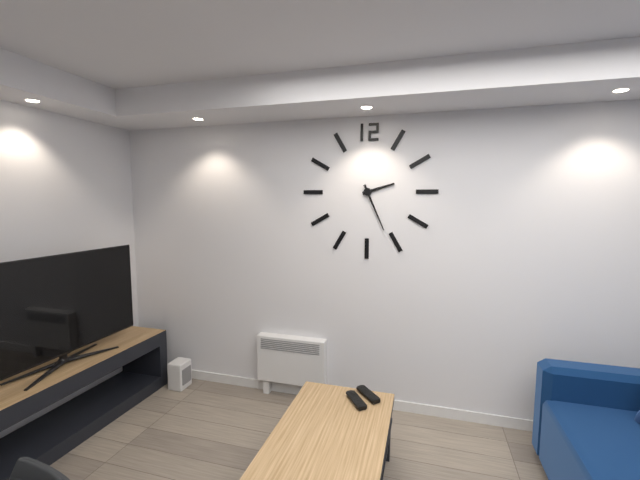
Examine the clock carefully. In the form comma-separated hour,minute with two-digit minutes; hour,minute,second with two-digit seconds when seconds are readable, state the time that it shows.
2,26
